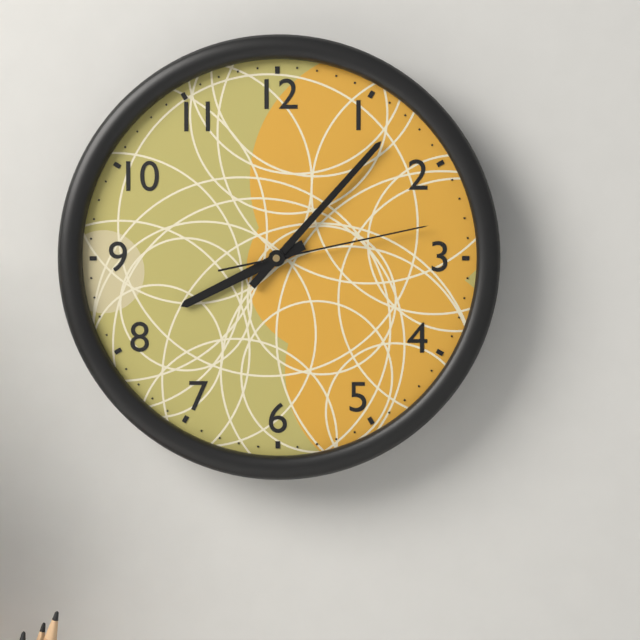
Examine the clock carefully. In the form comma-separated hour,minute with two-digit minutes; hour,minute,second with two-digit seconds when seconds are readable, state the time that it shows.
8,07,13
